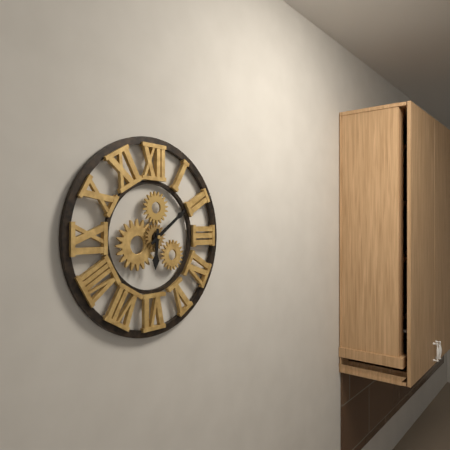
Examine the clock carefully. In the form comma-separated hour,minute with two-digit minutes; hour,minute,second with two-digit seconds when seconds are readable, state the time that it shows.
6,09
